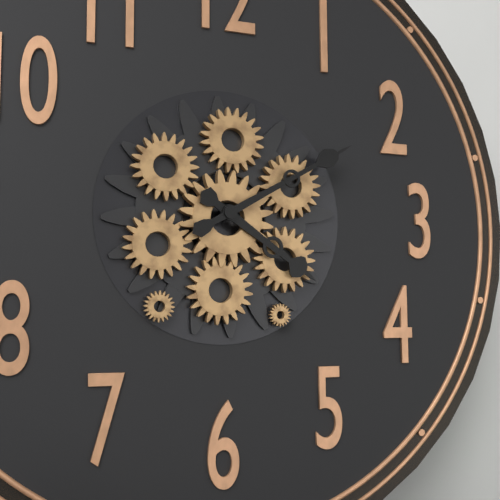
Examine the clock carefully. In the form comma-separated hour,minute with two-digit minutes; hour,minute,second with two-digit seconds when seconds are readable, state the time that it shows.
4,10
